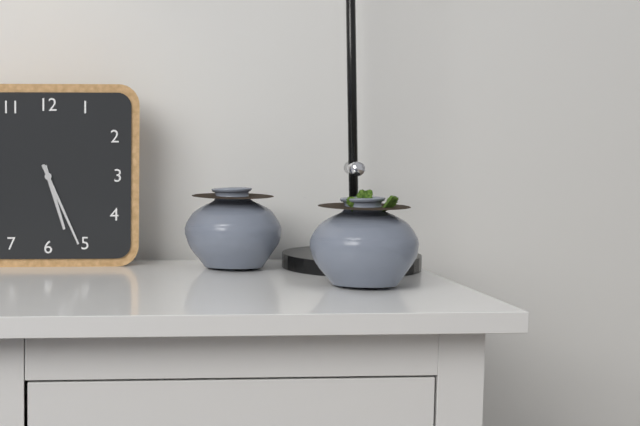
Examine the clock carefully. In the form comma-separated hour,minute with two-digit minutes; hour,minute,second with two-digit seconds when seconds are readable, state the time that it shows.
5,26
